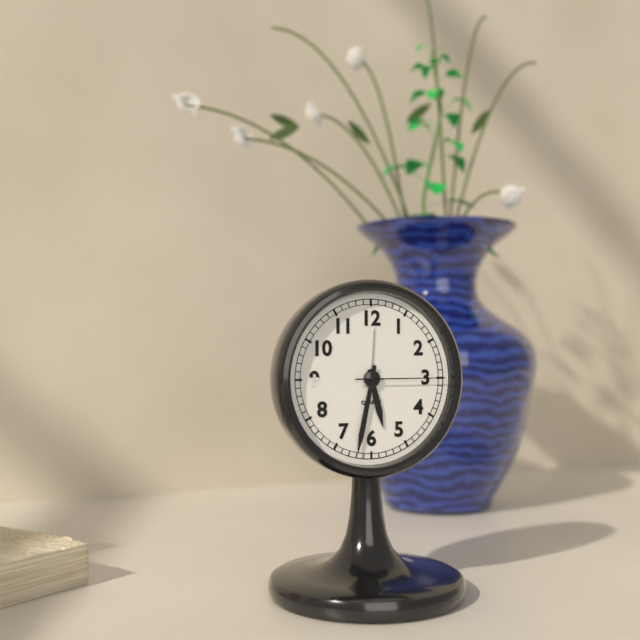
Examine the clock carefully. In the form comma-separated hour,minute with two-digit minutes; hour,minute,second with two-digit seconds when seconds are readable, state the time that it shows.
5,32,15
